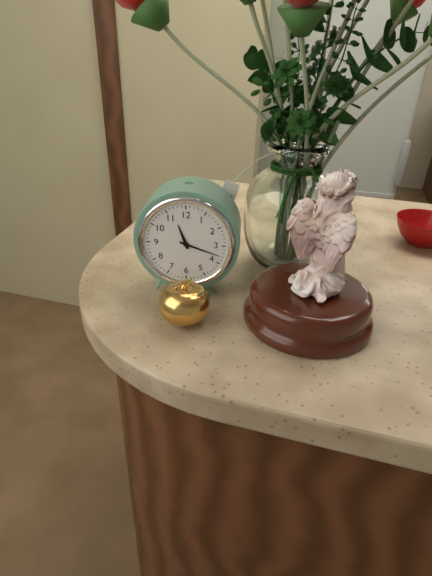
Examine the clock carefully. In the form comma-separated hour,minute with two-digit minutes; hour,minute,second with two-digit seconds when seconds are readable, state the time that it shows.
11,18
